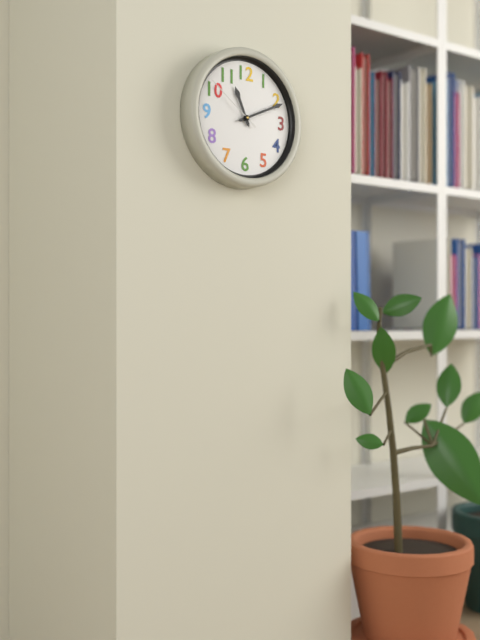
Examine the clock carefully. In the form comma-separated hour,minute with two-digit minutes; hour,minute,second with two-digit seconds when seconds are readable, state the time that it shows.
11,11,51
